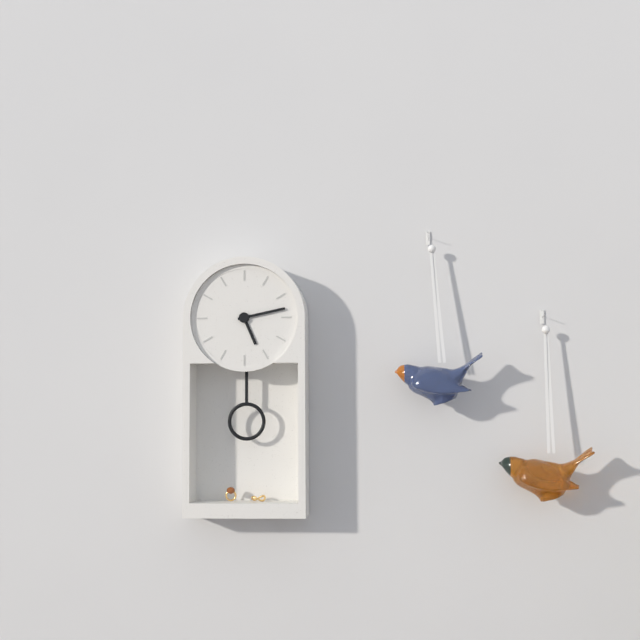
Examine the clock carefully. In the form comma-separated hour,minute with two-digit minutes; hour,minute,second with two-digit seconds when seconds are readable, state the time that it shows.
5,13
